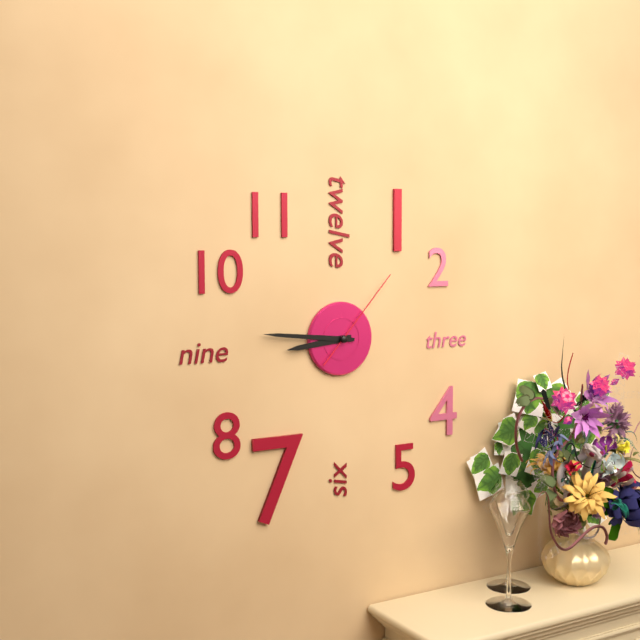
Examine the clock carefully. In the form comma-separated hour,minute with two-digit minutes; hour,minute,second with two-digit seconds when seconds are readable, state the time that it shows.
8,46,07
